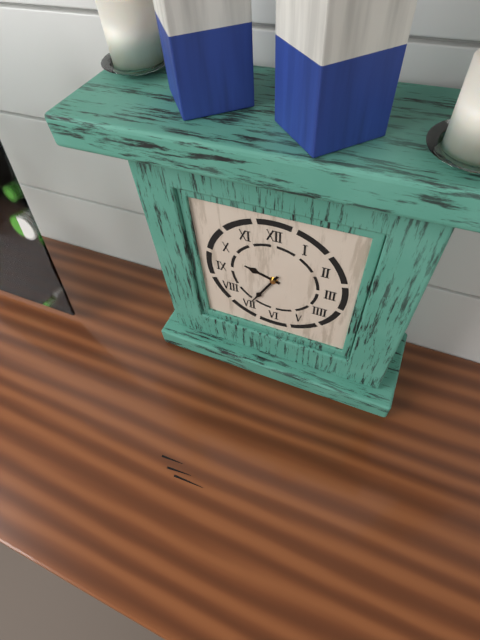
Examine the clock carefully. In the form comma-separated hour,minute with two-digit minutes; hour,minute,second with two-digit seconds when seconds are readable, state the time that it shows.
9,35
